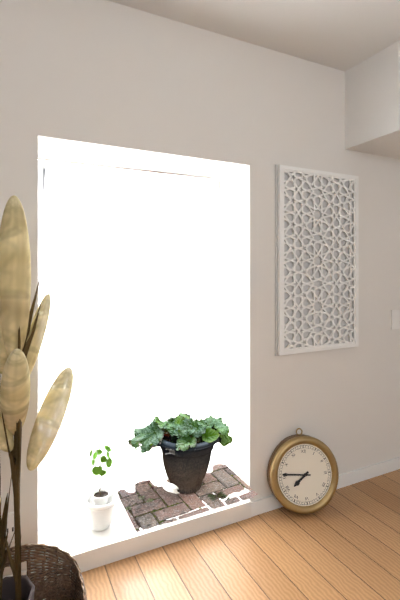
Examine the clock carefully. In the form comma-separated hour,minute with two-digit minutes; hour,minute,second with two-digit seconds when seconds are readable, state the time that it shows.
7,46
